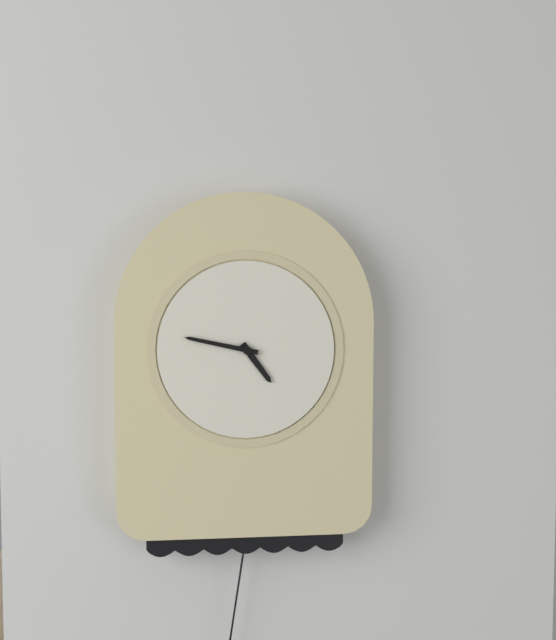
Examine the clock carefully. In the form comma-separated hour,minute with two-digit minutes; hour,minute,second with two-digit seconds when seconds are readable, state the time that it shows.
4,47
